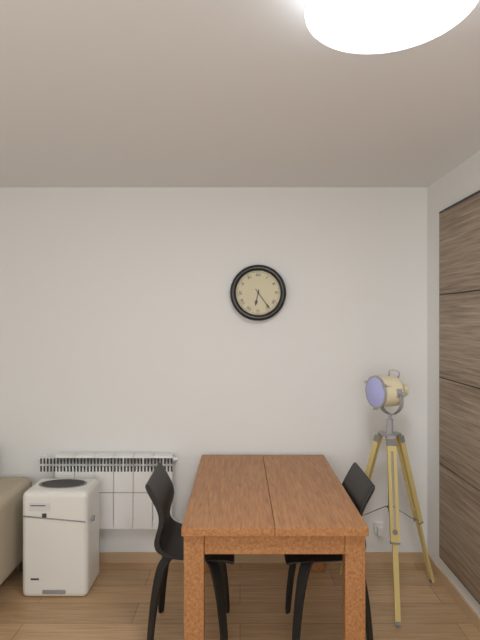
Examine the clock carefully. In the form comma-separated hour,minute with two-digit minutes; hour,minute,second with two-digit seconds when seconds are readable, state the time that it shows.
6,24
